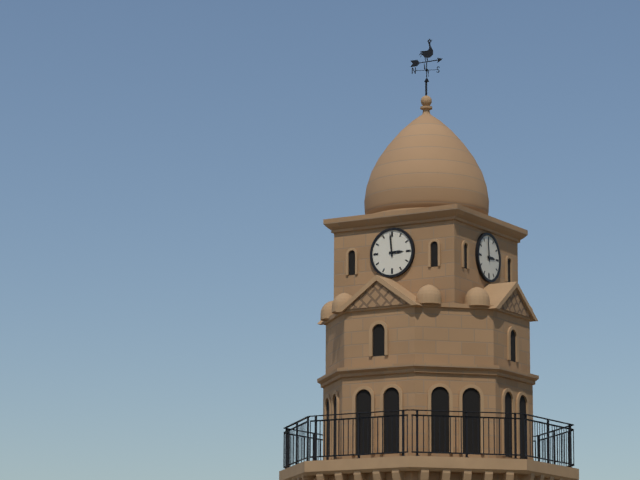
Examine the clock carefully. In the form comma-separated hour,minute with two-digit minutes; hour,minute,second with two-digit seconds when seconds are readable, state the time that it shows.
2,59
